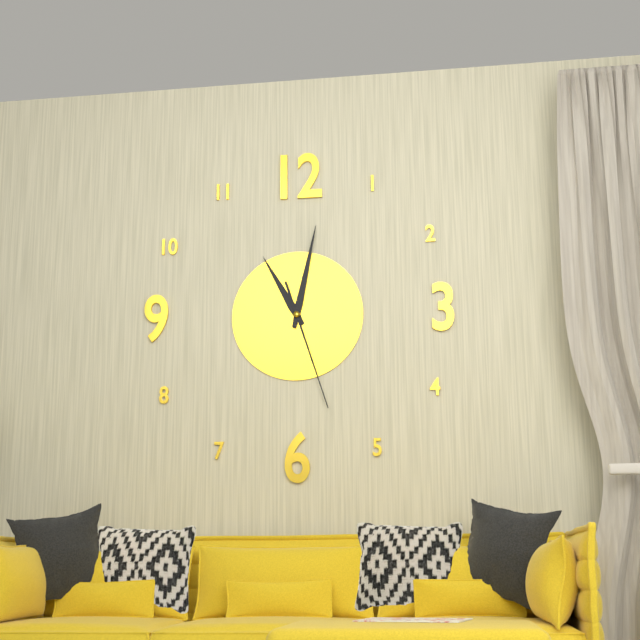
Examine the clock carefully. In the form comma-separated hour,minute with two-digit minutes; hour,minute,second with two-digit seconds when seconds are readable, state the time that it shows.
11,02,27
